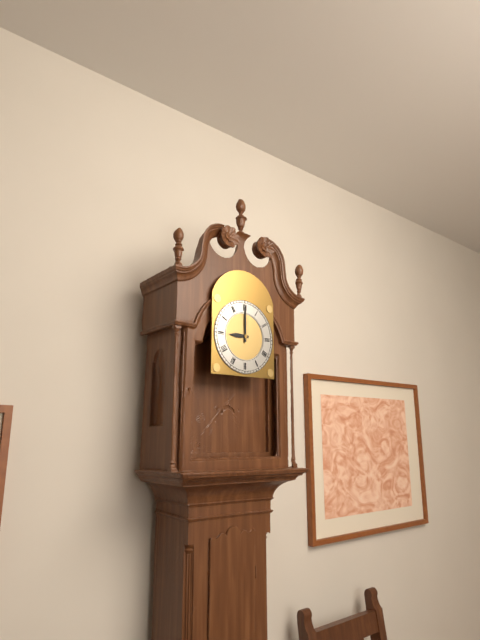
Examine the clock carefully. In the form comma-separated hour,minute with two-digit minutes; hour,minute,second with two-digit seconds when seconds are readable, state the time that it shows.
9,00
